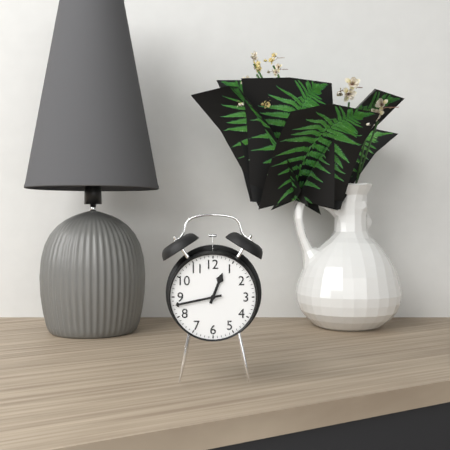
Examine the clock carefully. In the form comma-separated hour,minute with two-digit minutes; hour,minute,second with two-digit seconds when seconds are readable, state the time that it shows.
12,43
